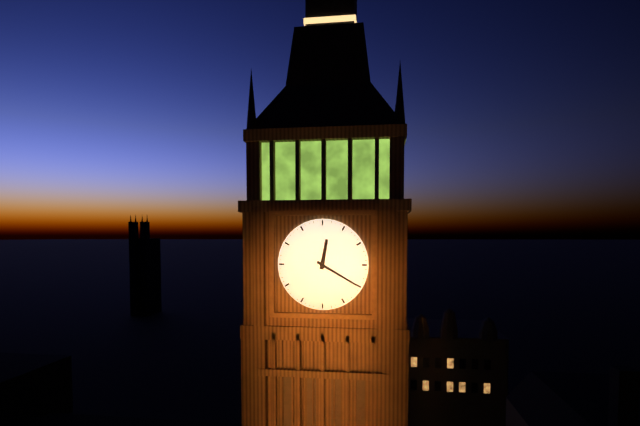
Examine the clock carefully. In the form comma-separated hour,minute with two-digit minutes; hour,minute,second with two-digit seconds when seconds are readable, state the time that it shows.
12,20
